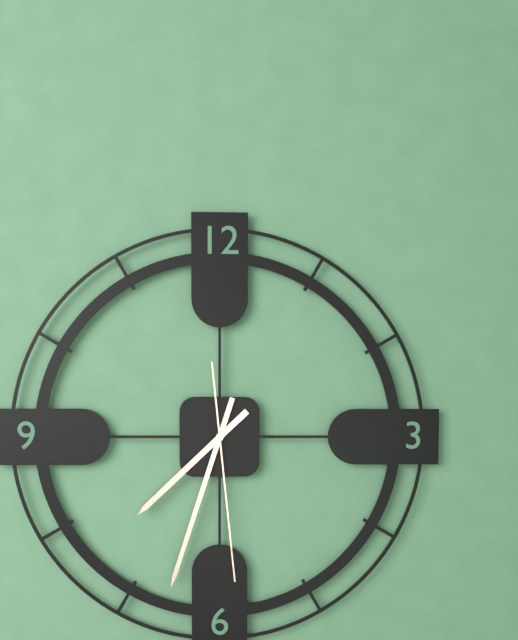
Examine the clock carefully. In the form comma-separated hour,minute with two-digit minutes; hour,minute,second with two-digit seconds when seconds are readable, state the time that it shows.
7,33,29
